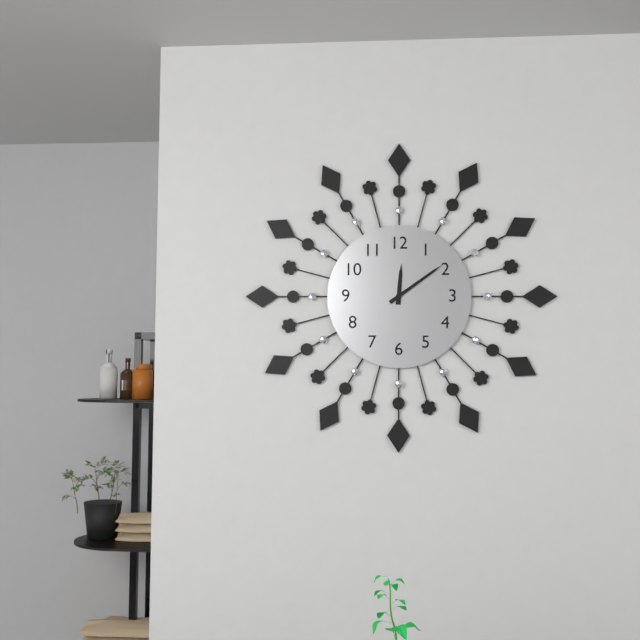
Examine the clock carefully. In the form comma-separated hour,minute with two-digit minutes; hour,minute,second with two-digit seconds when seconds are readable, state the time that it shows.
12,09
